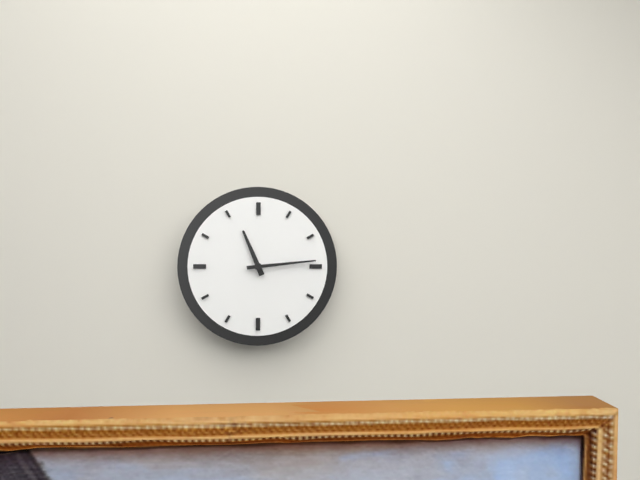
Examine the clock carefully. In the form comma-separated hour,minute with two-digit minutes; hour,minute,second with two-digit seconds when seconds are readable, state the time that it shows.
11,14
